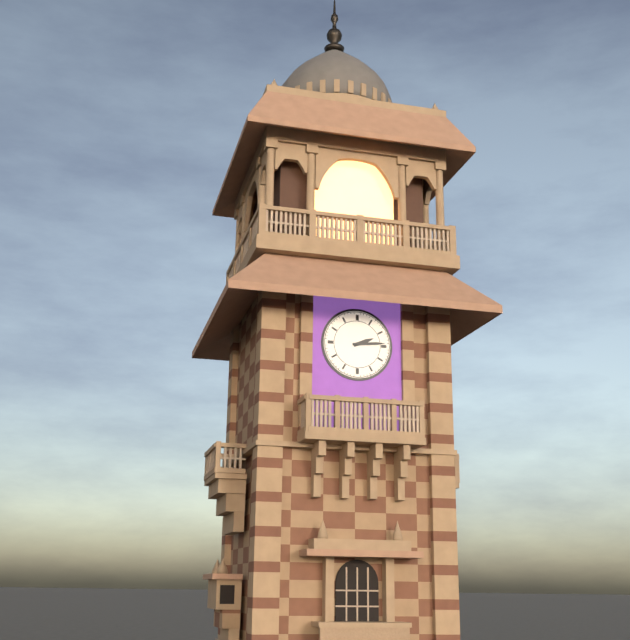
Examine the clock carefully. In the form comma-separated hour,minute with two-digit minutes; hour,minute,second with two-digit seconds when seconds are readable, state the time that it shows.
2,14
